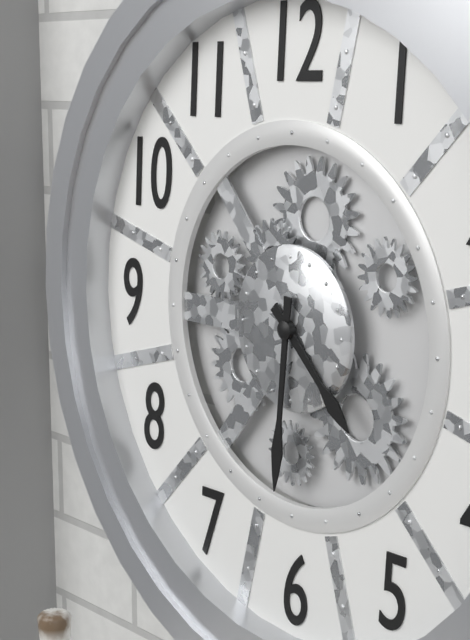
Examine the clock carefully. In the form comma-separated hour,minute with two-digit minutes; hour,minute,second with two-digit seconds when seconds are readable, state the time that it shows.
4,31
